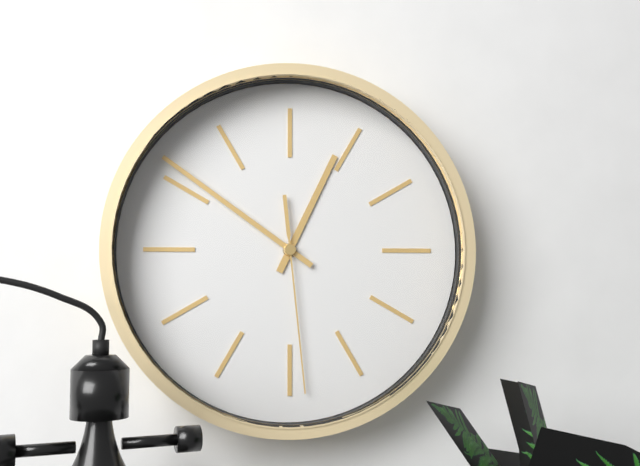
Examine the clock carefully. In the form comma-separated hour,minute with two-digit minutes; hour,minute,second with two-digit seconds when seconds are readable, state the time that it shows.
12,51,29
